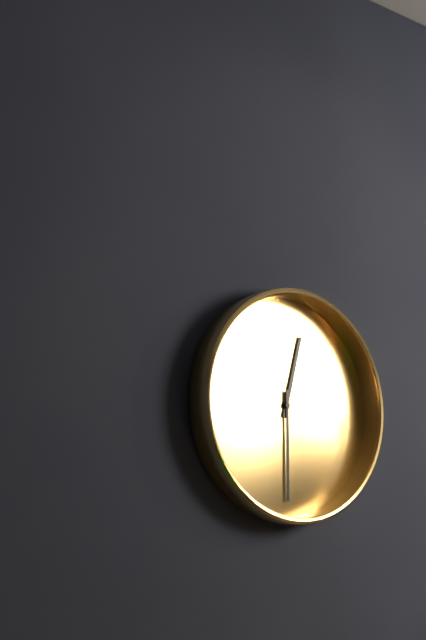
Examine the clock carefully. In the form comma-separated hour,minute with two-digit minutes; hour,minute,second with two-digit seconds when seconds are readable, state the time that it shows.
12,30
